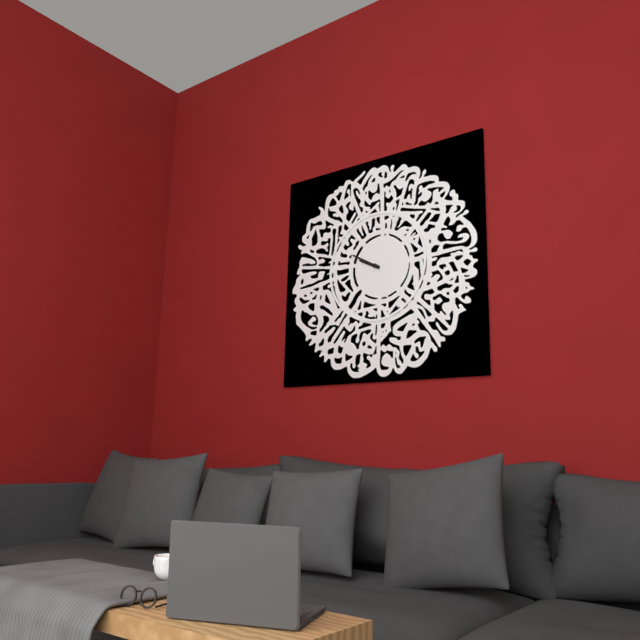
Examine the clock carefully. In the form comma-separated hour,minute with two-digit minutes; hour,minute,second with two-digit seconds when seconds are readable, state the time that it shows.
9,50
